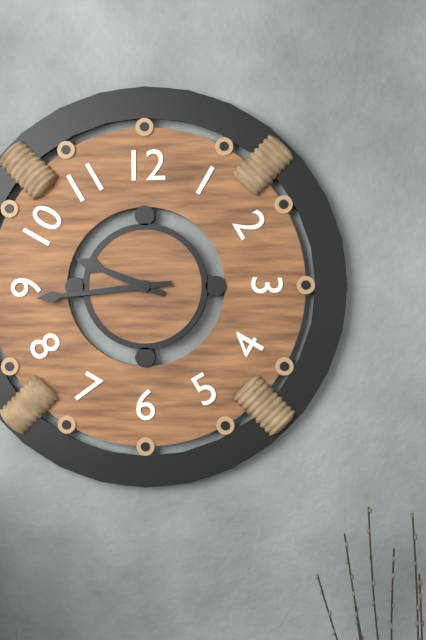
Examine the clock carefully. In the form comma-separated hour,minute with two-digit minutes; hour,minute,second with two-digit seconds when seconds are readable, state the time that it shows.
9,44
